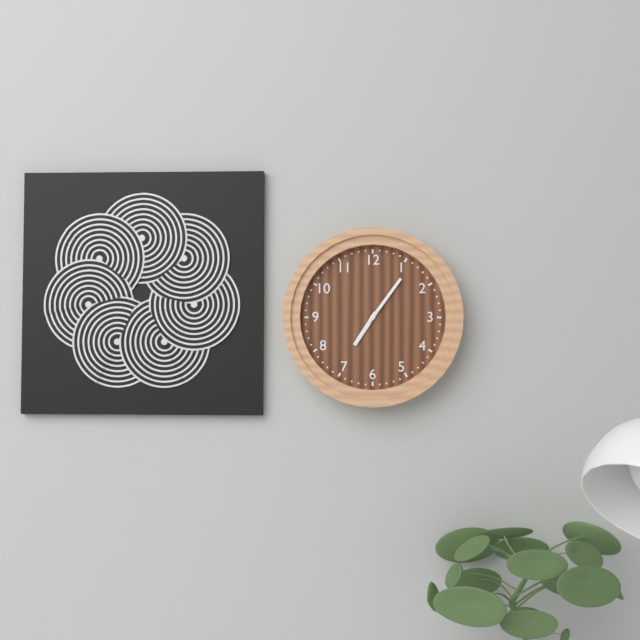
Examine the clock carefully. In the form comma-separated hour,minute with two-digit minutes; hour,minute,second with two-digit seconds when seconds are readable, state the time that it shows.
7,06
